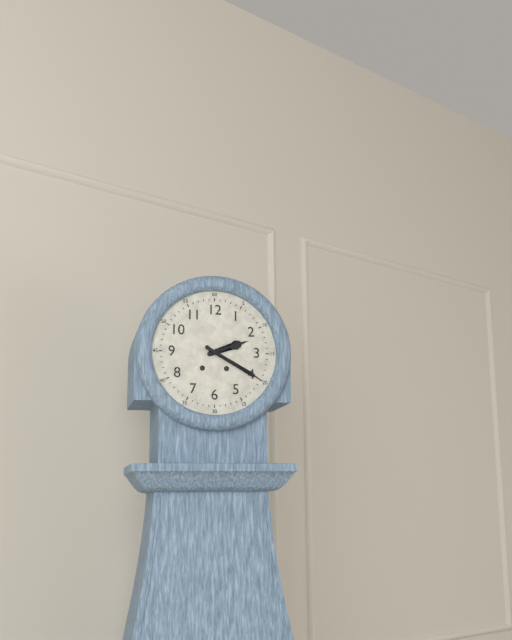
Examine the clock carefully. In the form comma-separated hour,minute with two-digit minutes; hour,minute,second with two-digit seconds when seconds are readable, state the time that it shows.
2,20
